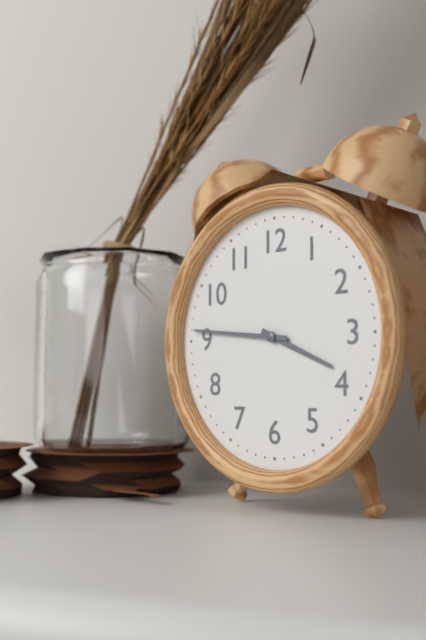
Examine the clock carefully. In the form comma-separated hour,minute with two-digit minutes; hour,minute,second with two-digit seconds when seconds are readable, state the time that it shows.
3,46
